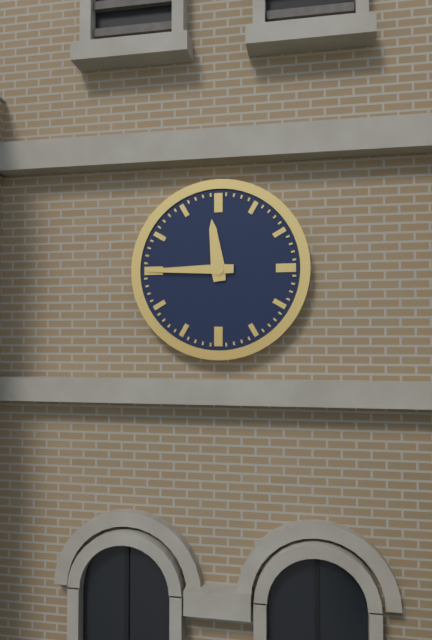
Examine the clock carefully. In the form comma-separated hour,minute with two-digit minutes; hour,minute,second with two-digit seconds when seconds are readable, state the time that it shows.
11,45
